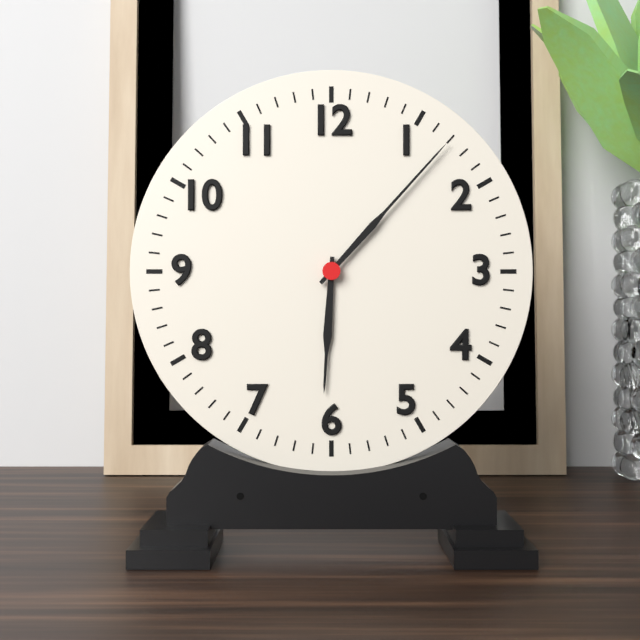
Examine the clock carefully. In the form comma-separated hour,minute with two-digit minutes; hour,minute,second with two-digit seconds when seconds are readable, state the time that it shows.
6,07
